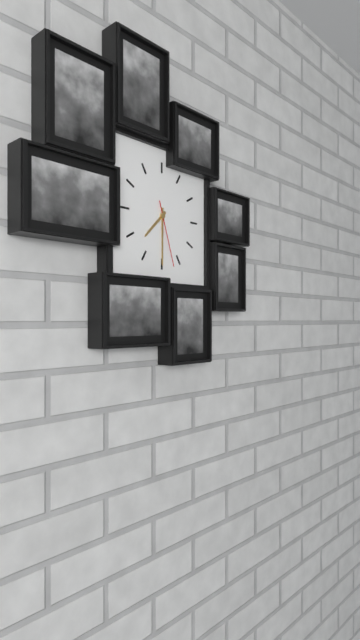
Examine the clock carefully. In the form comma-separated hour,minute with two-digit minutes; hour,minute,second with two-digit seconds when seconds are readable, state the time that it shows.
7,30,27
